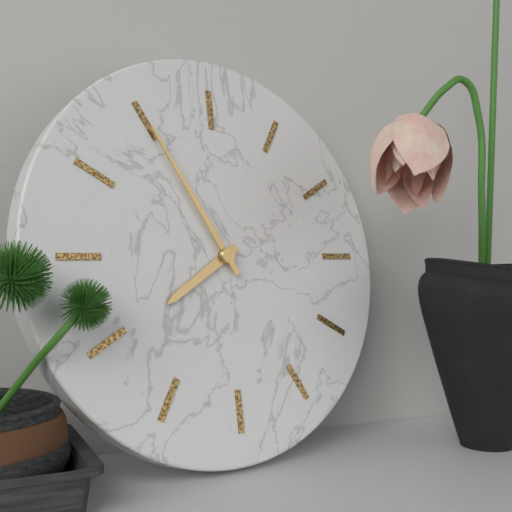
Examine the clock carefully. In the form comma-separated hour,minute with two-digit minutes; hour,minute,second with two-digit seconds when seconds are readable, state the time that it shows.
7,55
